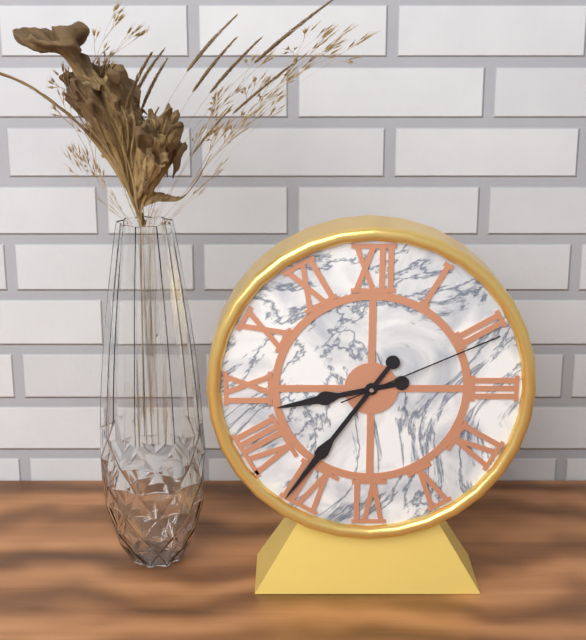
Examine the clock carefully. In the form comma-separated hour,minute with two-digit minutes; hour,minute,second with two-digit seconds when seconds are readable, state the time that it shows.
8,36,11
